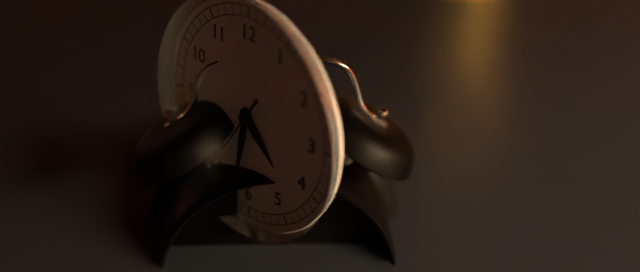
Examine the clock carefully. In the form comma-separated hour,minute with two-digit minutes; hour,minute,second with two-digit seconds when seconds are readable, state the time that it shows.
4,32,36
